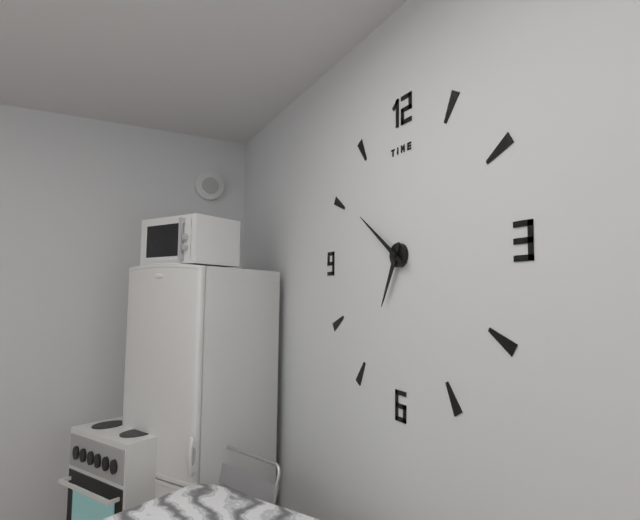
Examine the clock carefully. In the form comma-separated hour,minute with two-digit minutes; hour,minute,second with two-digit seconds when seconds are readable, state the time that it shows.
6,51
